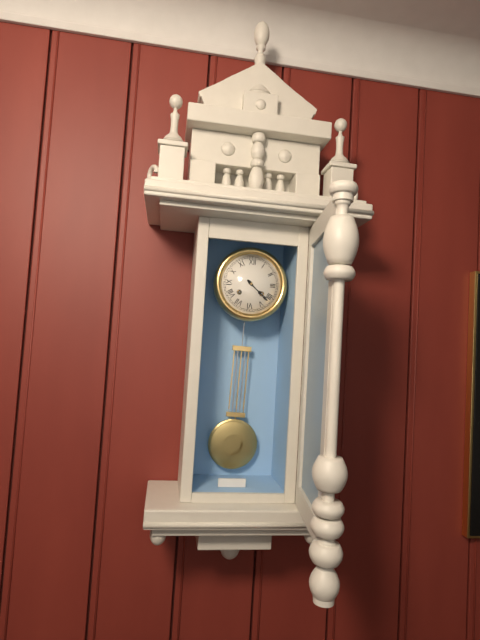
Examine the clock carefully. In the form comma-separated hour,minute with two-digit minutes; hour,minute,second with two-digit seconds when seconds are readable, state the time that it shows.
4,22
